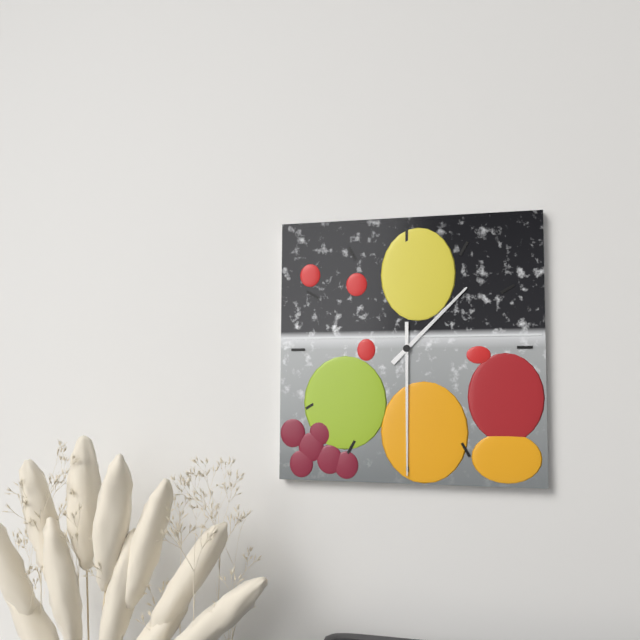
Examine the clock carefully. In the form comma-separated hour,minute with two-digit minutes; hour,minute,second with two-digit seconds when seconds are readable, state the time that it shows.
1,30
